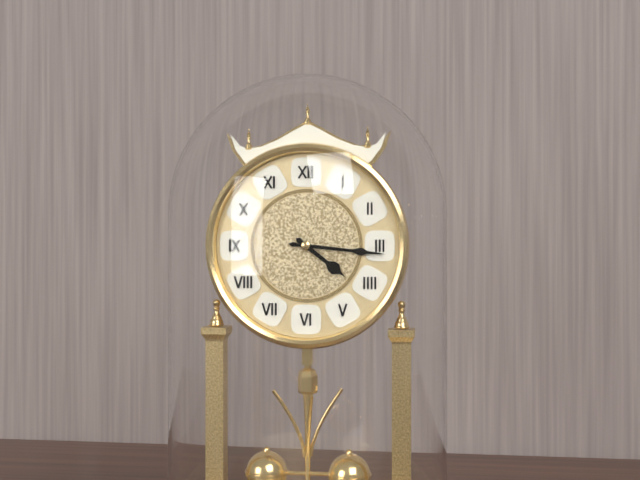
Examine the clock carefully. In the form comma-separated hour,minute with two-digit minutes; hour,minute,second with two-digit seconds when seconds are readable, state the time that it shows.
4,16
